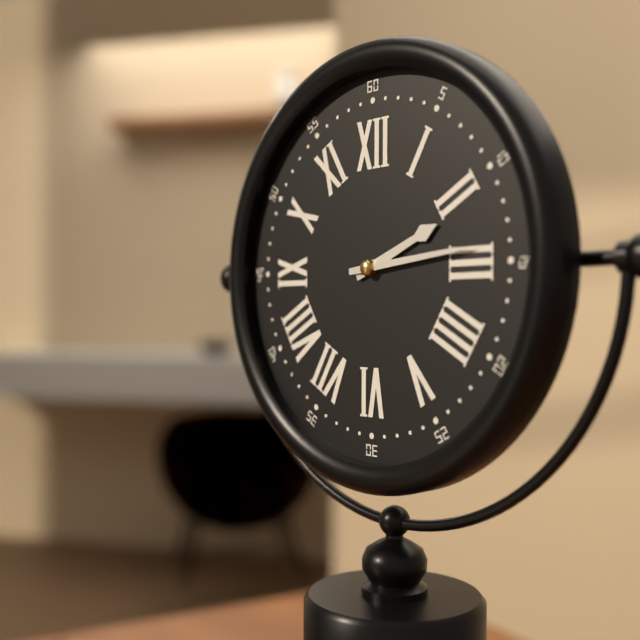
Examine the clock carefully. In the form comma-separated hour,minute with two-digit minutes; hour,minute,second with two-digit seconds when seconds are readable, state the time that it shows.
2,14
